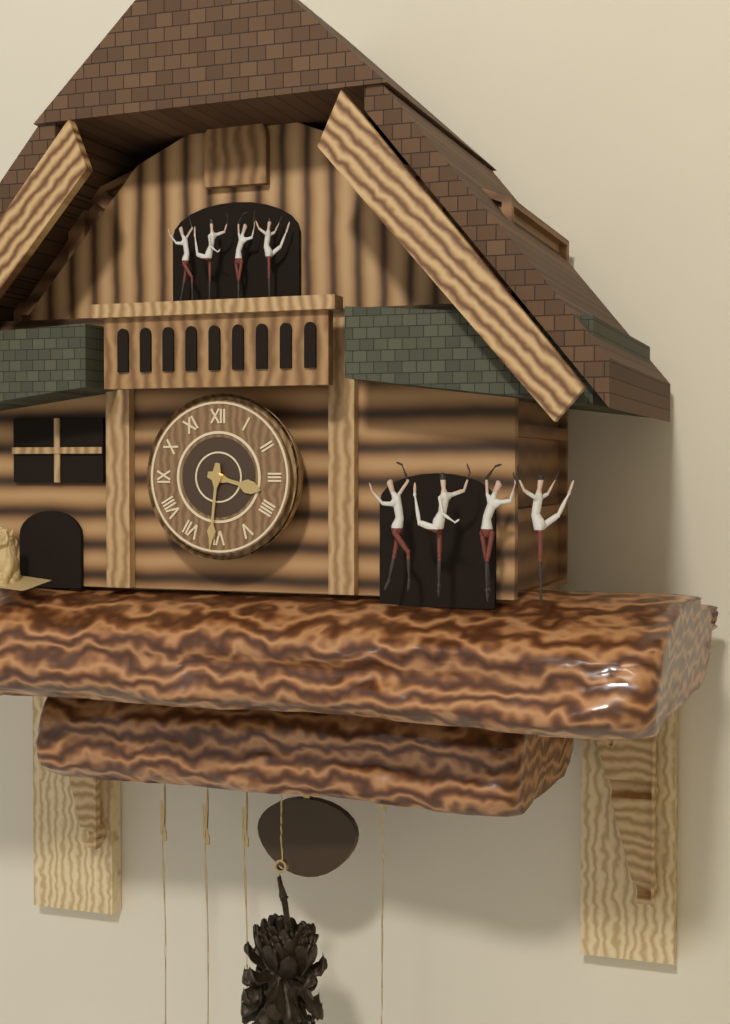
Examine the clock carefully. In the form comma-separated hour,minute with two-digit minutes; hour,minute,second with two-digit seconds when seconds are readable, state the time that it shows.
3,31
